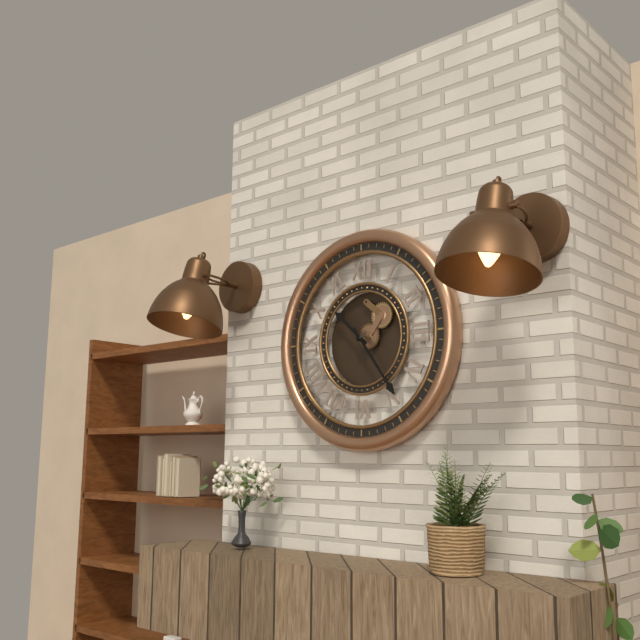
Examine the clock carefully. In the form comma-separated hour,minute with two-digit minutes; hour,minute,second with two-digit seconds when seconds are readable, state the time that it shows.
10,24
